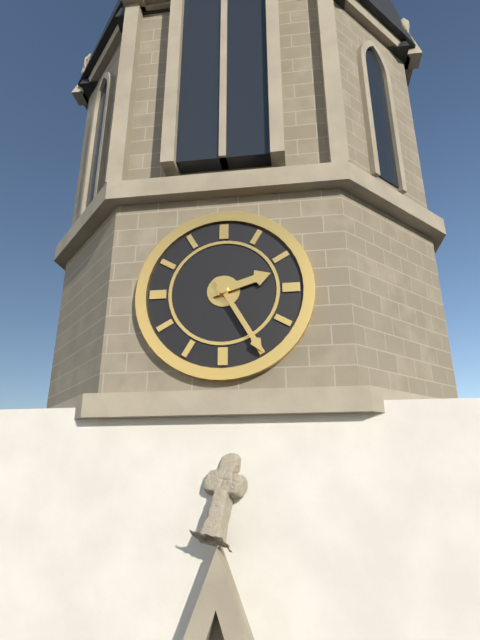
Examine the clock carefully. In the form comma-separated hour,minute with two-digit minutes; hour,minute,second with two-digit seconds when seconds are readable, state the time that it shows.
2,25
